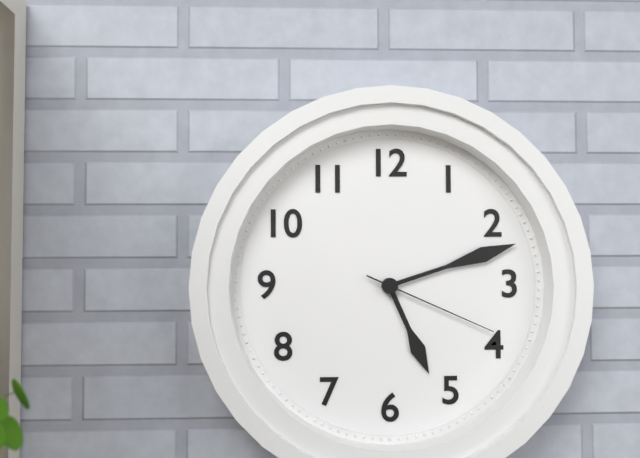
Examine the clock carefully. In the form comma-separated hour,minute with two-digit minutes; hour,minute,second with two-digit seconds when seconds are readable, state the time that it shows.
5,12,19
